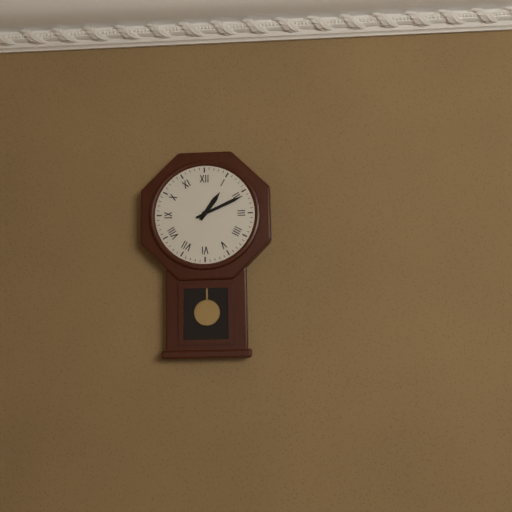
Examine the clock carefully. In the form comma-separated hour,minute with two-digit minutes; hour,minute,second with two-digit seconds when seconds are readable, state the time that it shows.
1,11
